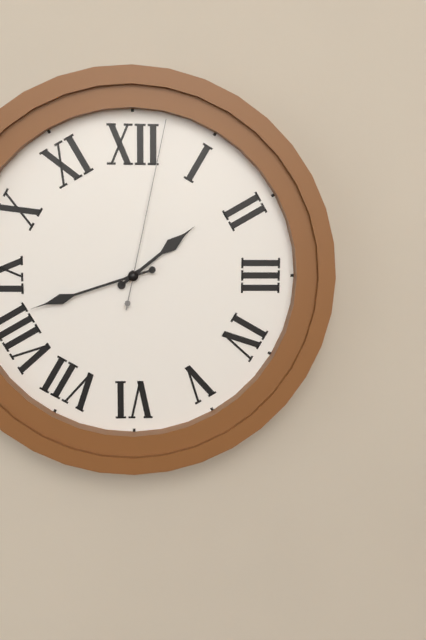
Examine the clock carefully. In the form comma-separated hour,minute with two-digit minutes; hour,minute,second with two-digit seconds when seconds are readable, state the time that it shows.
1,42,02
